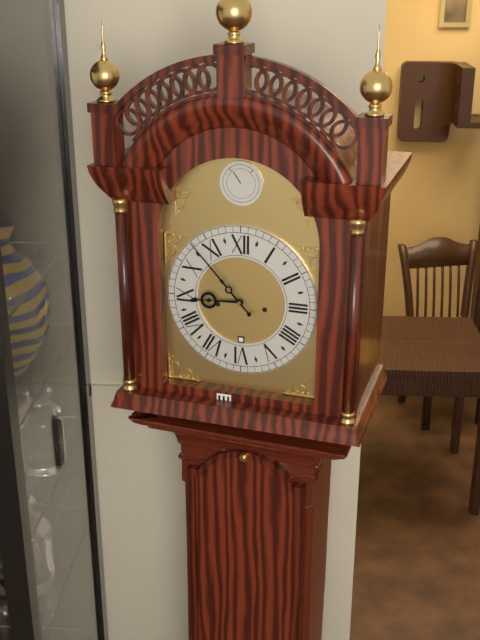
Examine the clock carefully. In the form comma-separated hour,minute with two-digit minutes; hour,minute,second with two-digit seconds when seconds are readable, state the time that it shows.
8,53
